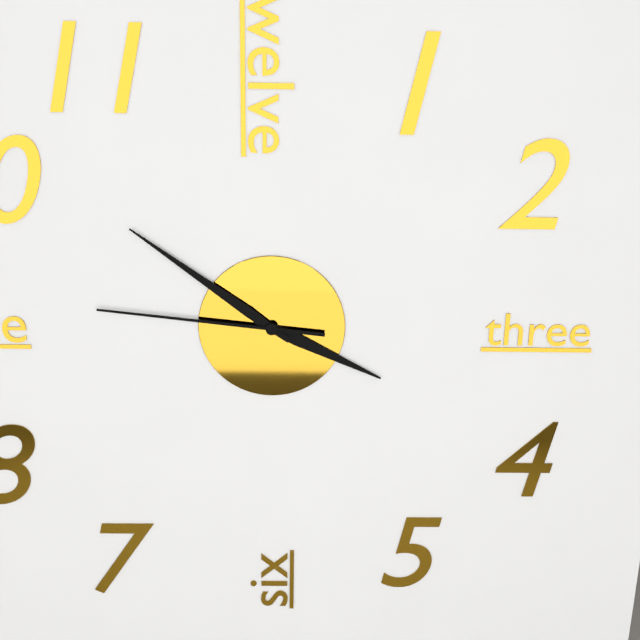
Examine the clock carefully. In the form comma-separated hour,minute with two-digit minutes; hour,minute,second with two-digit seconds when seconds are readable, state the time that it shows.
3,51,46
